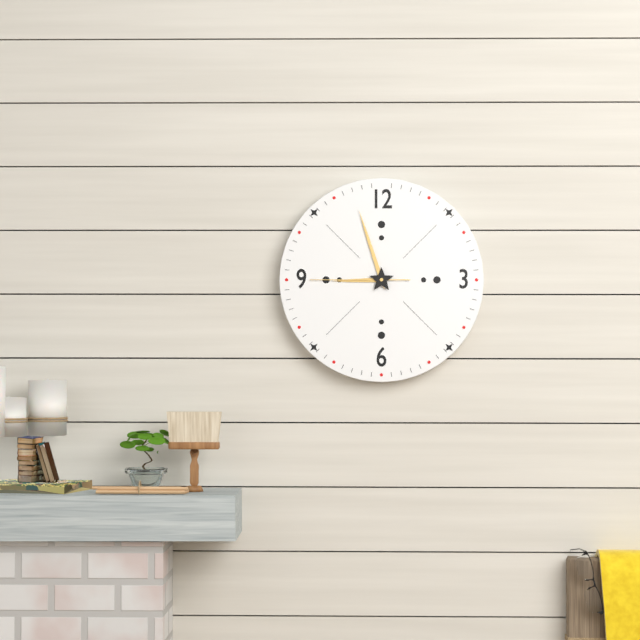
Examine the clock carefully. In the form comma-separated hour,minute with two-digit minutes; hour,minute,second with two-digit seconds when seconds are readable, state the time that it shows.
8,57,45
